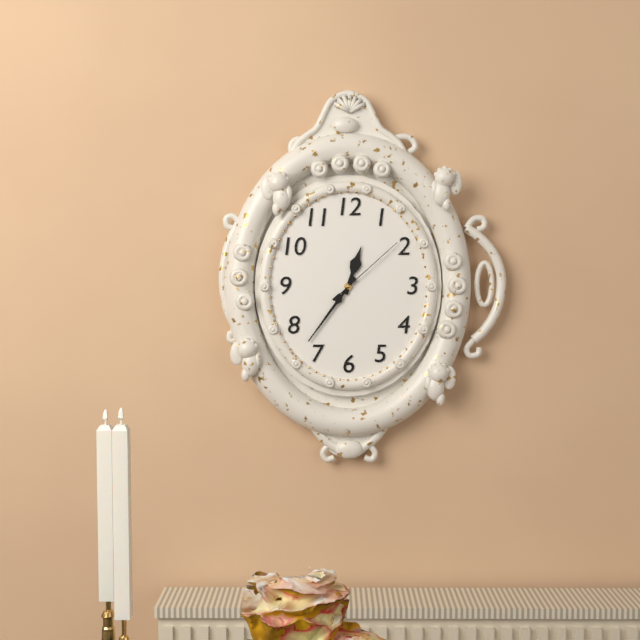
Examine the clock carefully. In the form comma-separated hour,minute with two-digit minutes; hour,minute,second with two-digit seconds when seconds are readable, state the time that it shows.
12,36,08
